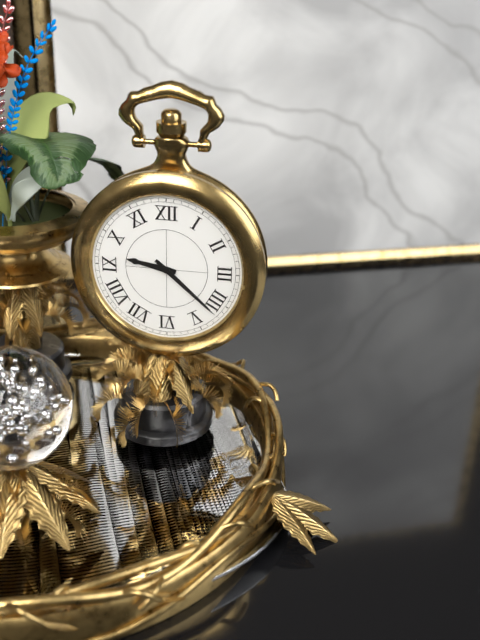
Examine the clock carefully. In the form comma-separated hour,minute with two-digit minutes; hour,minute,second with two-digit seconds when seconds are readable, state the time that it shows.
9,22
